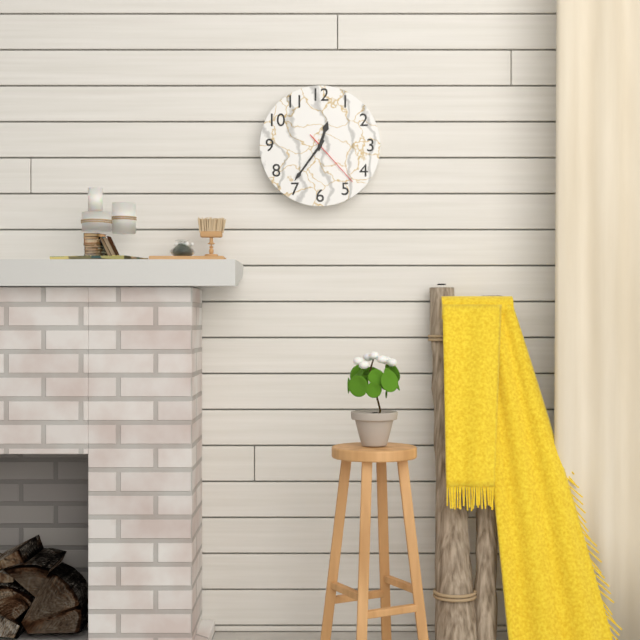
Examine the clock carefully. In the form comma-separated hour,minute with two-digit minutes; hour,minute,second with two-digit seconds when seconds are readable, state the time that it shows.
12,36,23
